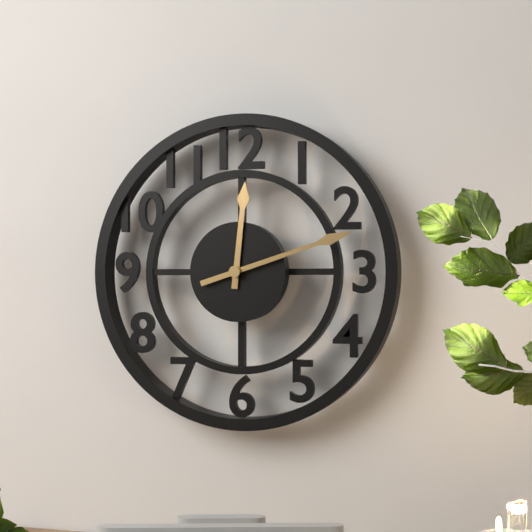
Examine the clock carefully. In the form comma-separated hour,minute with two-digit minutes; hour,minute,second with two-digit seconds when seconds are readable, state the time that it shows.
12,12
